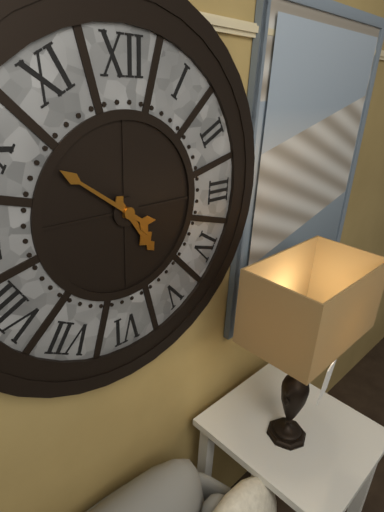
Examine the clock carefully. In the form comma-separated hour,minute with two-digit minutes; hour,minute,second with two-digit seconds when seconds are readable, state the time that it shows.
4,51
